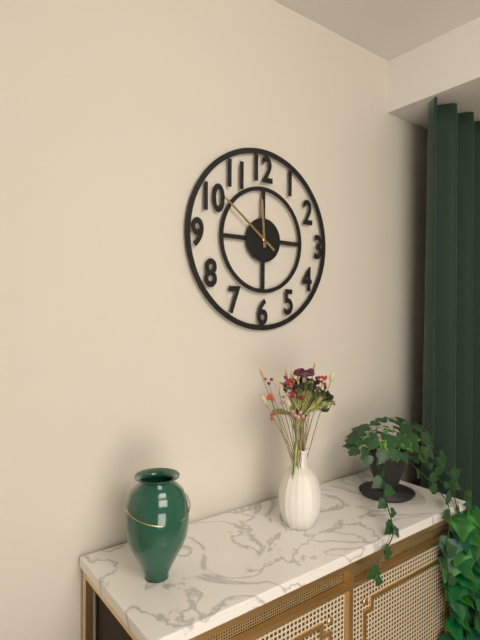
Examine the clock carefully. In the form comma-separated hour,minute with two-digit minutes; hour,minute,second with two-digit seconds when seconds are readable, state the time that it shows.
11,51
